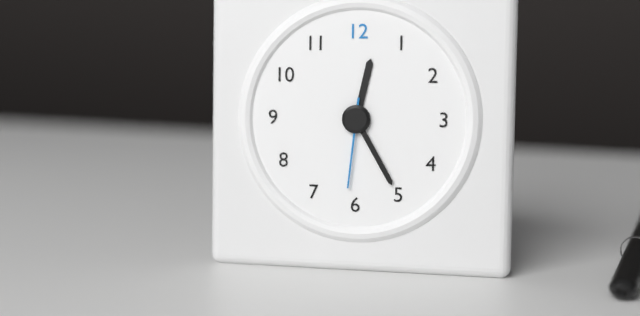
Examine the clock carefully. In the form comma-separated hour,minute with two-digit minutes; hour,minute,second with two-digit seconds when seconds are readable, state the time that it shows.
12,25,31
